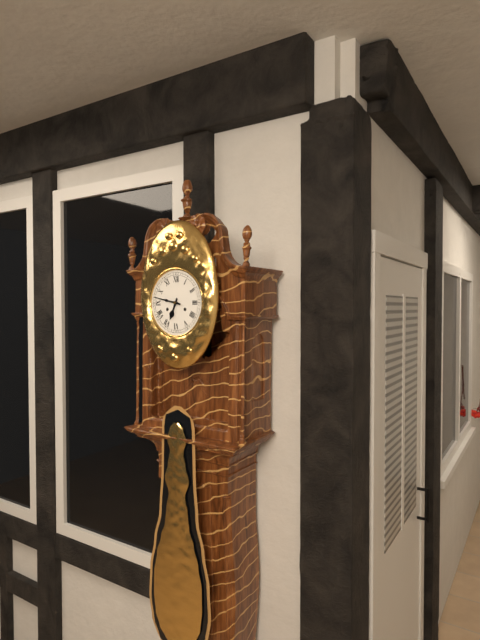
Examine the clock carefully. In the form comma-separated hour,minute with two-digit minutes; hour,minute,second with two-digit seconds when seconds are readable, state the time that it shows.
6,47
